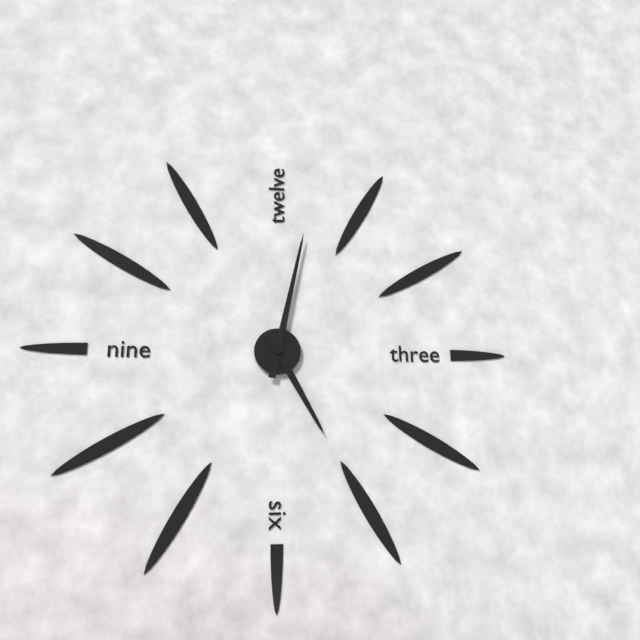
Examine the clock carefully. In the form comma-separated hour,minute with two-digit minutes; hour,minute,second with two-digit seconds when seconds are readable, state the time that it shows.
5,02
